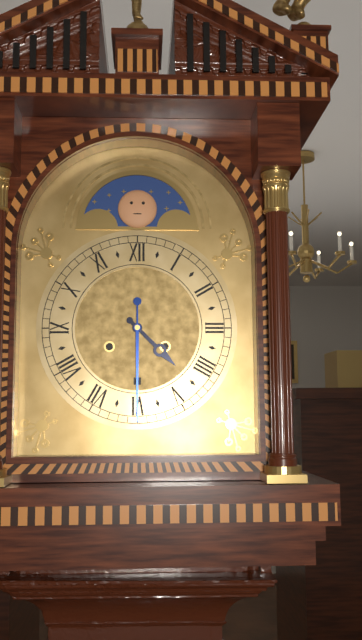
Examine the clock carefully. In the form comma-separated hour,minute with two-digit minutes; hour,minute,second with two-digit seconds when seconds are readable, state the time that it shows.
4,30
